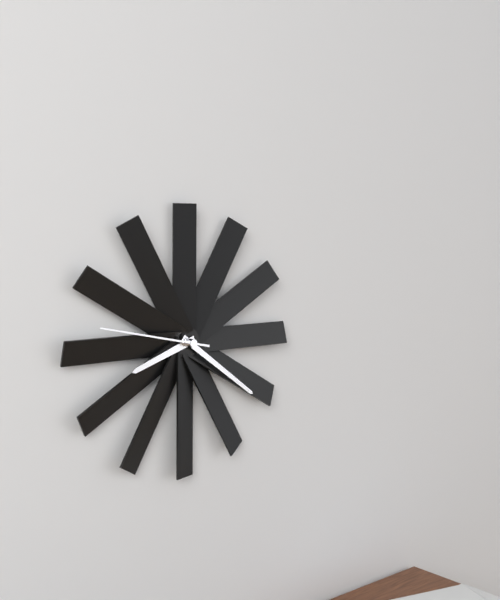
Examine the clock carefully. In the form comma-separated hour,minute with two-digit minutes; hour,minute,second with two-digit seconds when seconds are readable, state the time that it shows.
8,21,47
